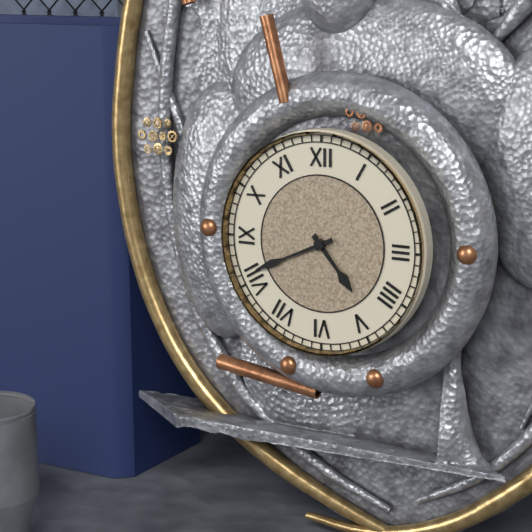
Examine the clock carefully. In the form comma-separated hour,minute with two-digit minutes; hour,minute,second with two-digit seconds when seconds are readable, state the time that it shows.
4,41
